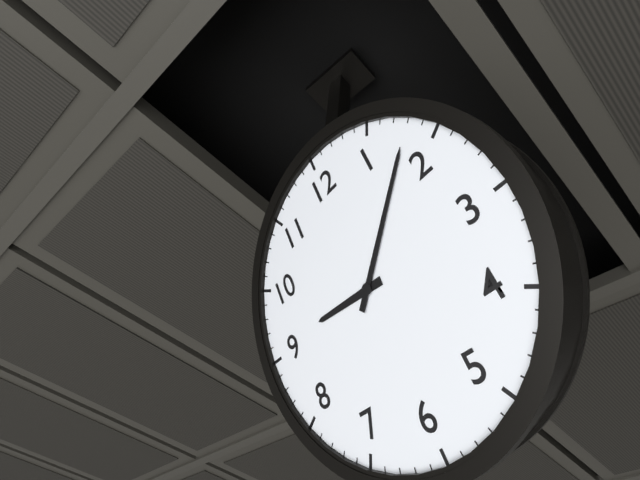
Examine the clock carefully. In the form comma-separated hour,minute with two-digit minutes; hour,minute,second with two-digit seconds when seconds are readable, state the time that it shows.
9,08
